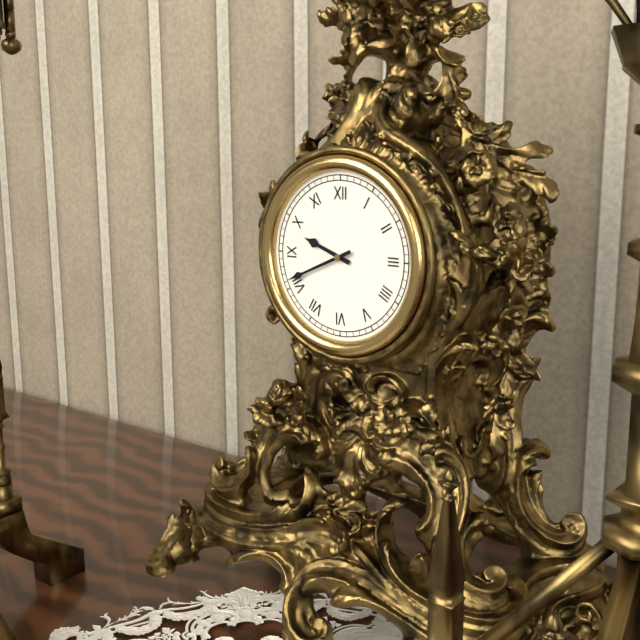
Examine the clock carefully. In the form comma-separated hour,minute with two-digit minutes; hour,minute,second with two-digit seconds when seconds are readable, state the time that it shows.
9,41
